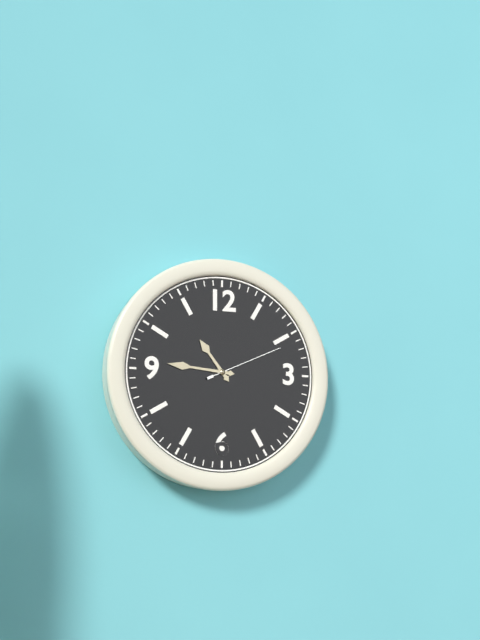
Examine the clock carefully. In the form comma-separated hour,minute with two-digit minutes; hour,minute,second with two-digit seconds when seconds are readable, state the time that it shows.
10,46,11
